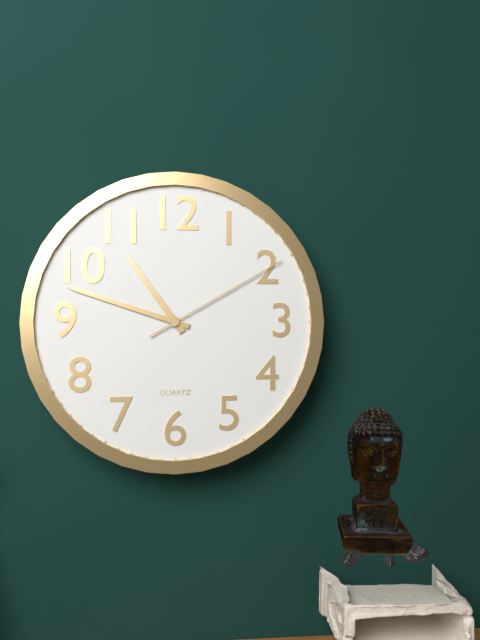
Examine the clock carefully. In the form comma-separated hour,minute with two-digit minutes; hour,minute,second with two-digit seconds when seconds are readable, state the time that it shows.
10,48,10
